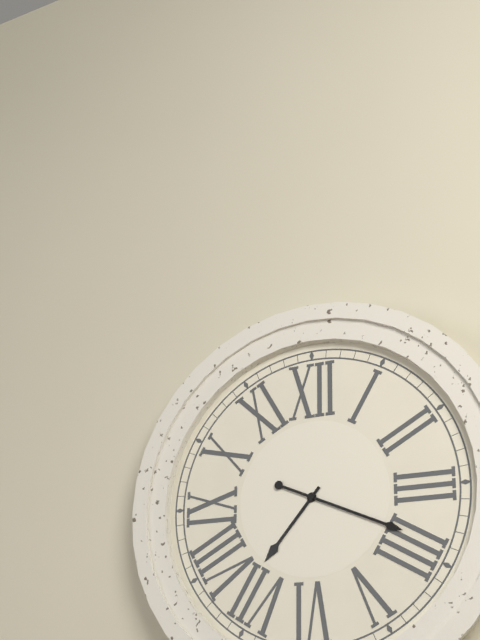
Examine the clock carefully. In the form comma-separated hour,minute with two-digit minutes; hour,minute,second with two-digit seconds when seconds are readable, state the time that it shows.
7,19
